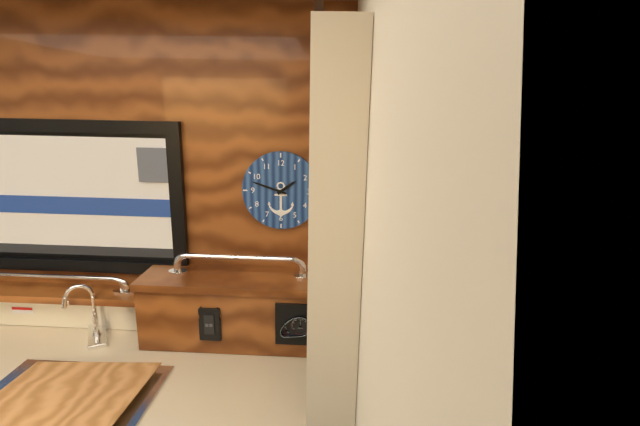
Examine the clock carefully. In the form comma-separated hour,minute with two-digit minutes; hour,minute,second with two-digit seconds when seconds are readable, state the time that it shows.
1,48
